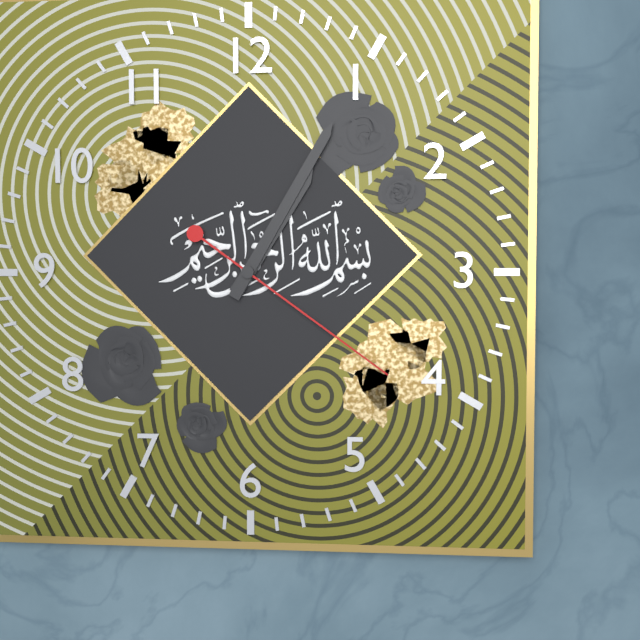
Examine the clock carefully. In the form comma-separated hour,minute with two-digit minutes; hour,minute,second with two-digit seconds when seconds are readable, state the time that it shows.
1,05,21
